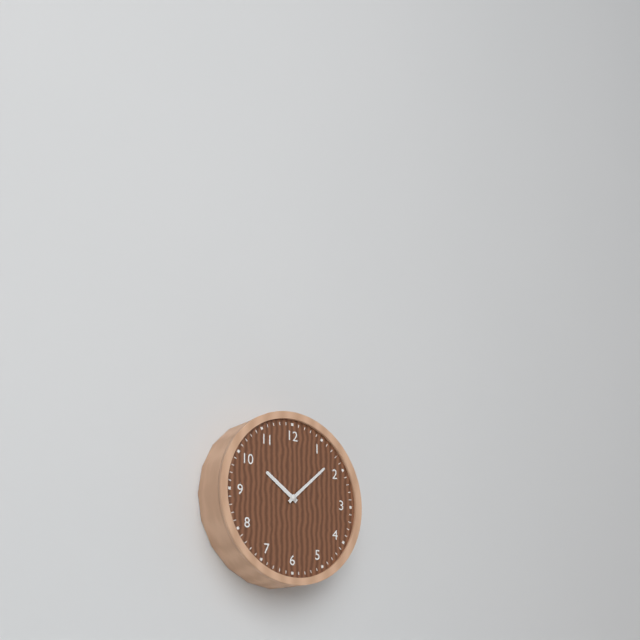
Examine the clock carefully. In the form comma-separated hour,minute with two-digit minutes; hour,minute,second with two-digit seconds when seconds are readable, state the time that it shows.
10,08
